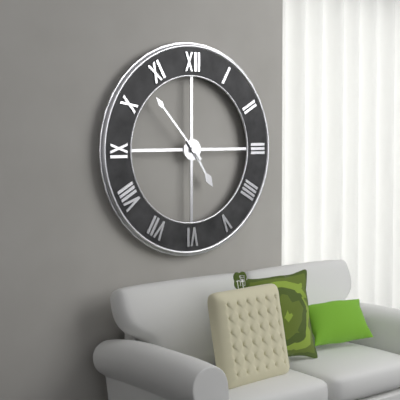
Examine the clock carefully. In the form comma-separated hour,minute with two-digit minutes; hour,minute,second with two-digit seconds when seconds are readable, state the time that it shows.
4,53
